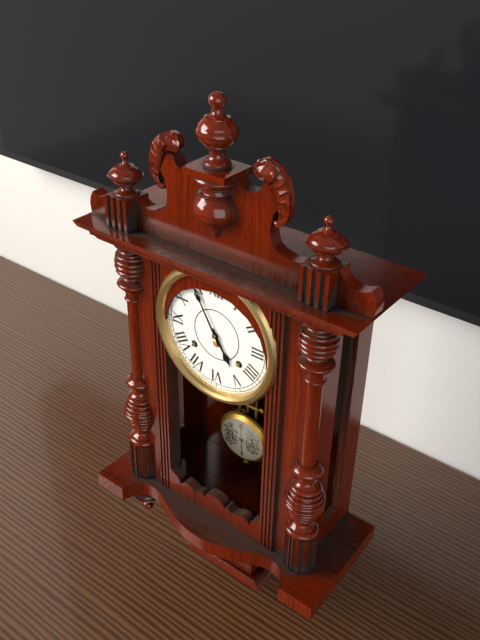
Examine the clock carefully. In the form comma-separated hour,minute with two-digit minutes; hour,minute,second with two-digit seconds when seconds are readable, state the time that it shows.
4,55
